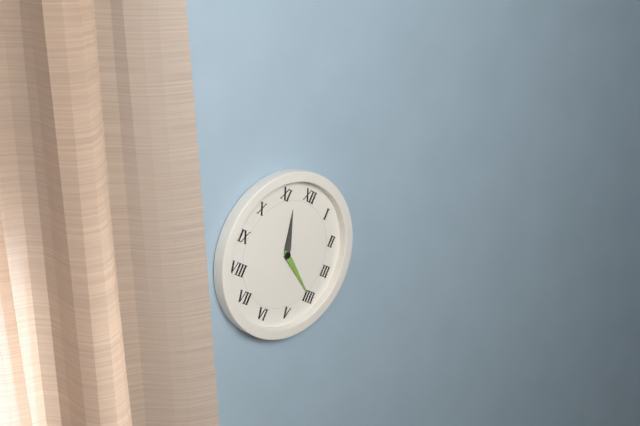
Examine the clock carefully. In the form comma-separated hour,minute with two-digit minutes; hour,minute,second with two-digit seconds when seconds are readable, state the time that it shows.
11,20
